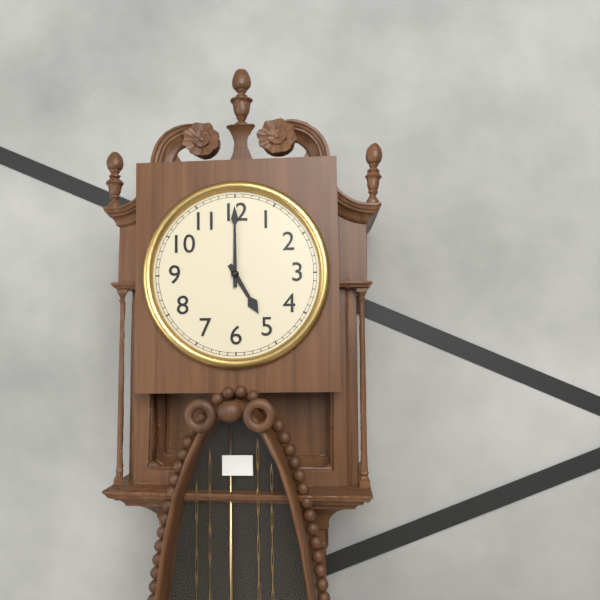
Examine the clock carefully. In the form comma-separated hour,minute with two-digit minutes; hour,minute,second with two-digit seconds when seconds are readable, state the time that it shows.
5,00
